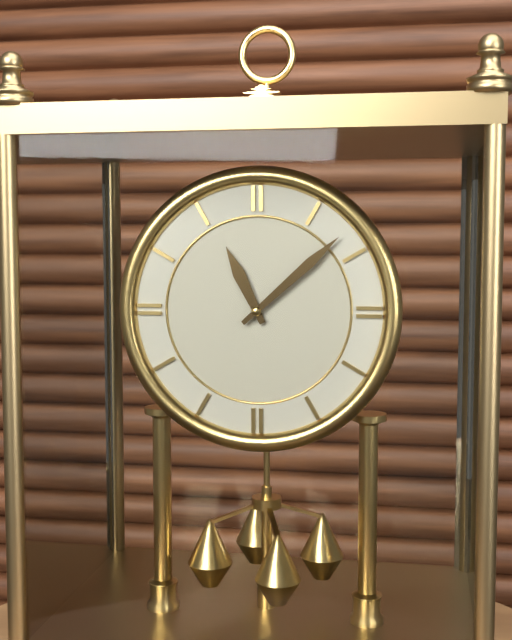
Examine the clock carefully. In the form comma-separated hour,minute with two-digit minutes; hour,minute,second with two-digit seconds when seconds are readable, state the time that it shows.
11,08
